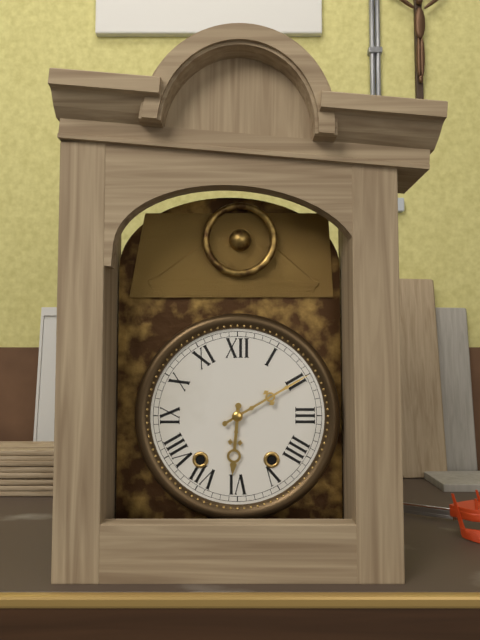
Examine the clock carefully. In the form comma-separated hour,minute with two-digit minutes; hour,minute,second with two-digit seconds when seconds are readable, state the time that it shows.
6,10
